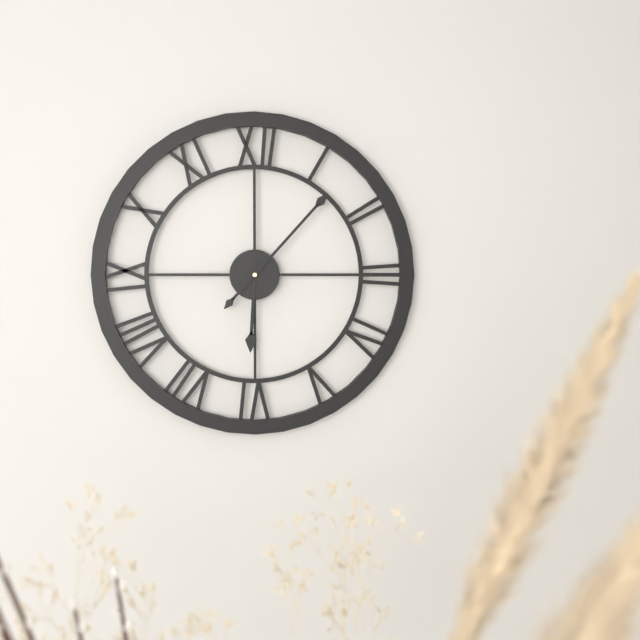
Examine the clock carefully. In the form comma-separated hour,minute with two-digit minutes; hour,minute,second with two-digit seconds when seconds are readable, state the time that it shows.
6,07
